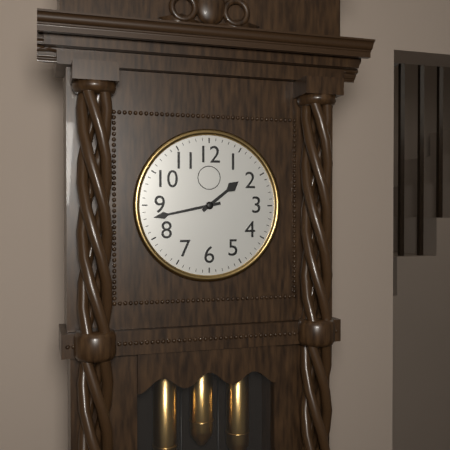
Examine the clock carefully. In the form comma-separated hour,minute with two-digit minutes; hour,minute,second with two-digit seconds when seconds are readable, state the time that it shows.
1,43
